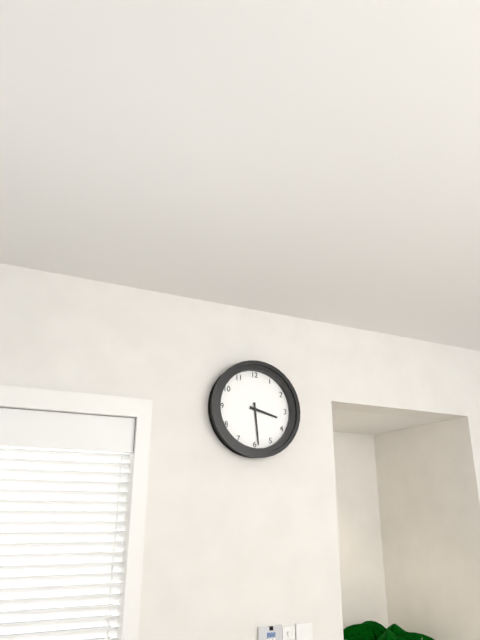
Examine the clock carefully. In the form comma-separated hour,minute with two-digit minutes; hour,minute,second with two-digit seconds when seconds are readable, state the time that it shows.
3,29
